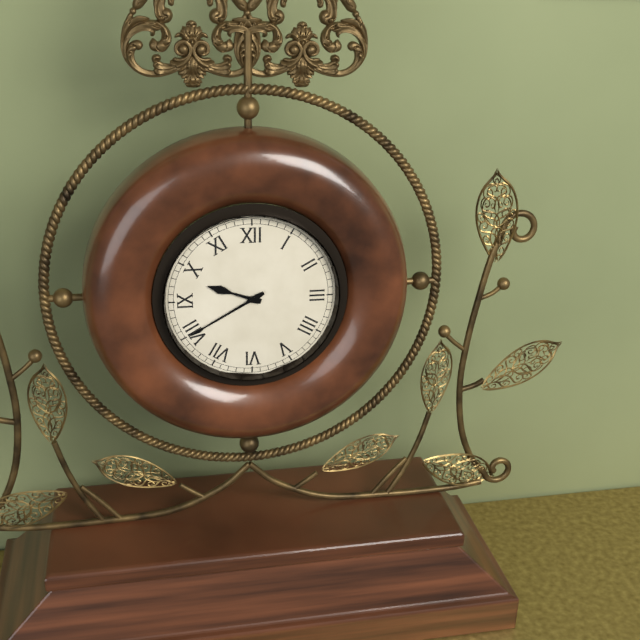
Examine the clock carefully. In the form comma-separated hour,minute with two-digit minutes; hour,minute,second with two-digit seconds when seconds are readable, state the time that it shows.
9,40
